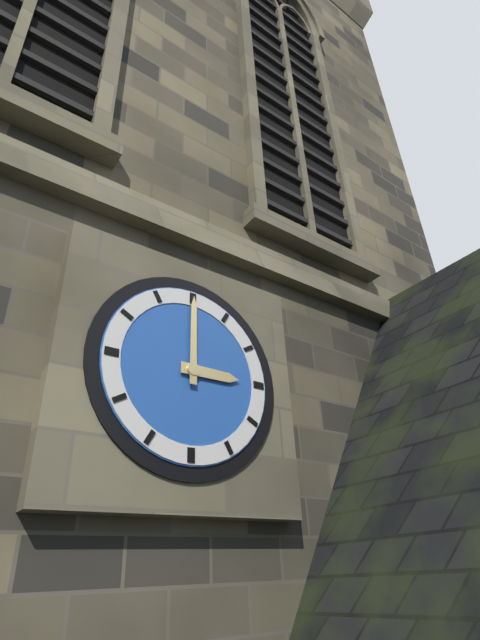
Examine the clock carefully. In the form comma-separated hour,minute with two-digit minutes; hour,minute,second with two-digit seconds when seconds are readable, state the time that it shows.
3,00
